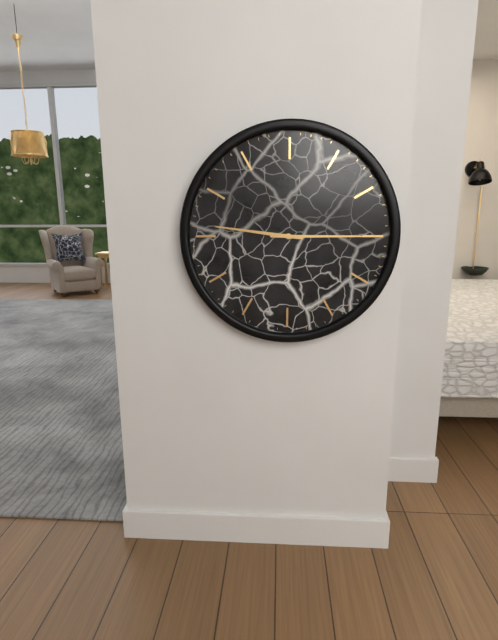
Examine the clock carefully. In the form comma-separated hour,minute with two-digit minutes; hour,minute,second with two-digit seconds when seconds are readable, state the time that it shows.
9,15
